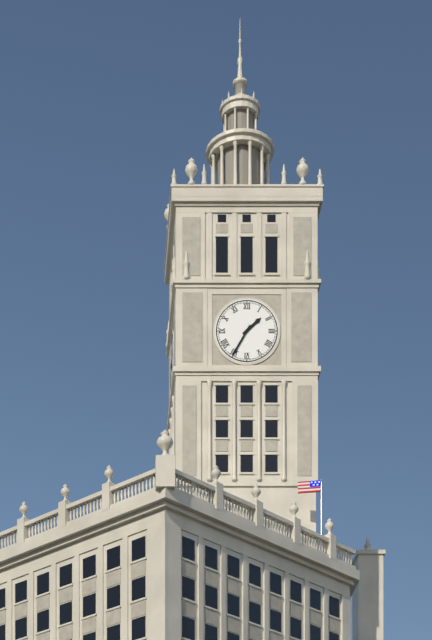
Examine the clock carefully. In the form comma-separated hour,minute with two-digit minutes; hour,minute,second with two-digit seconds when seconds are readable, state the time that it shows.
1,35
